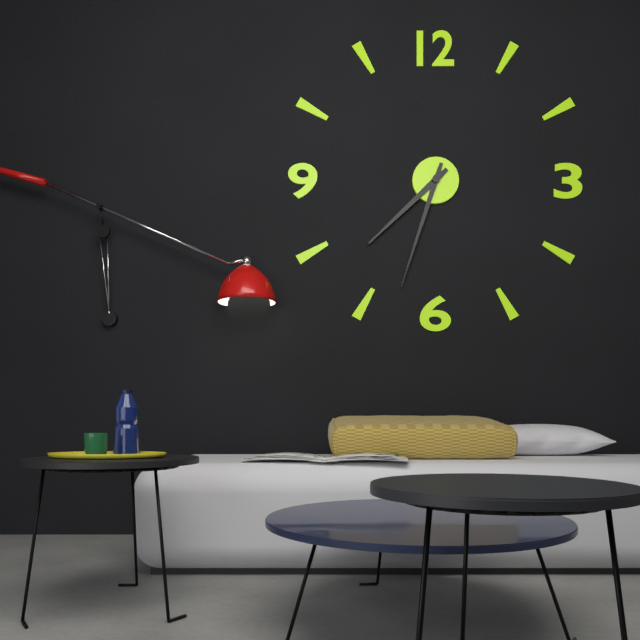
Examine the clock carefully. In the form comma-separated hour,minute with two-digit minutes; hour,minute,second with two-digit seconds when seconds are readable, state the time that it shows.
7,33
